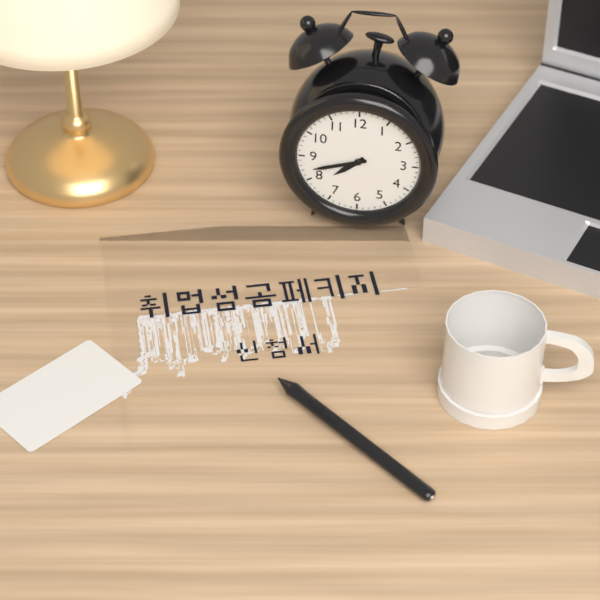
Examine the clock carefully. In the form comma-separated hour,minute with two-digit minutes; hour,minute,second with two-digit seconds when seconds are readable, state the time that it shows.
7,42
